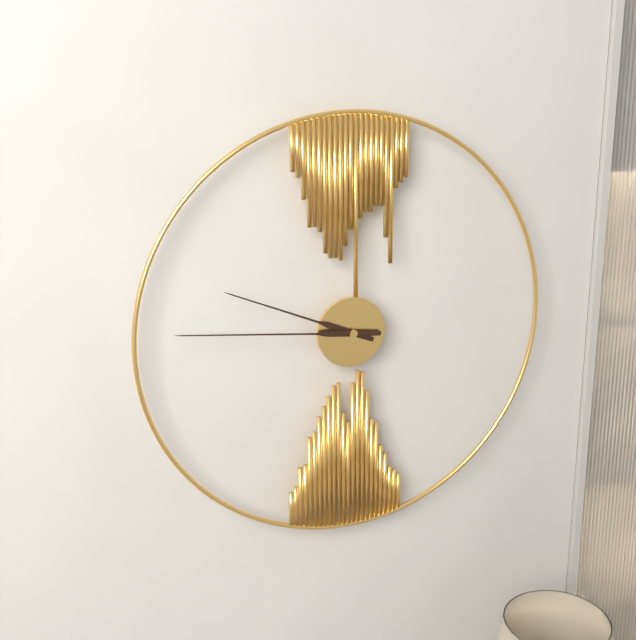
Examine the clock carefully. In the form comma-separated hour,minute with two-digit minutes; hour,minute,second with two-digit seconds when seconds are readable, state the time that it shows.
9,46
